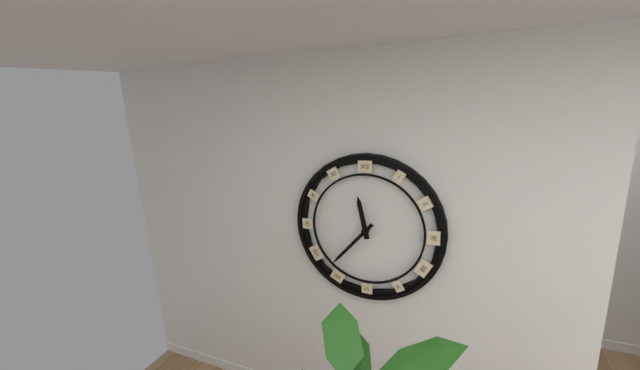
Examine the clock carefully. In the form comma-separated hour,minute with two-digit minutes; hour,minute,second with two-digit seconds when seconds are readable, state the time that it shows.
11,37
